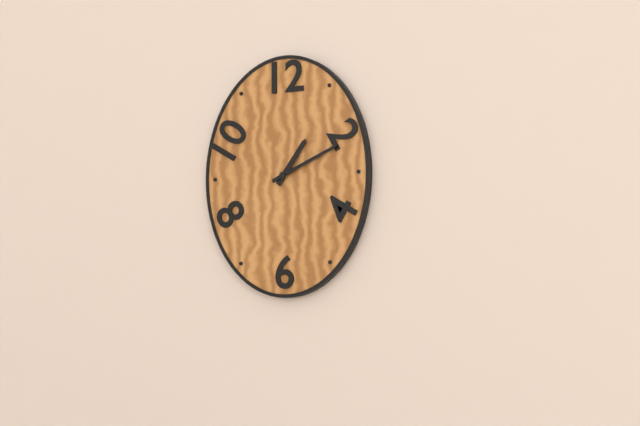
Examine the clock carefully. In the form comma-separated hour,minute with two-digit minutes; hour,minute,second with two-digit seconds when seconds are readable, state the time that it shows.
1,11
